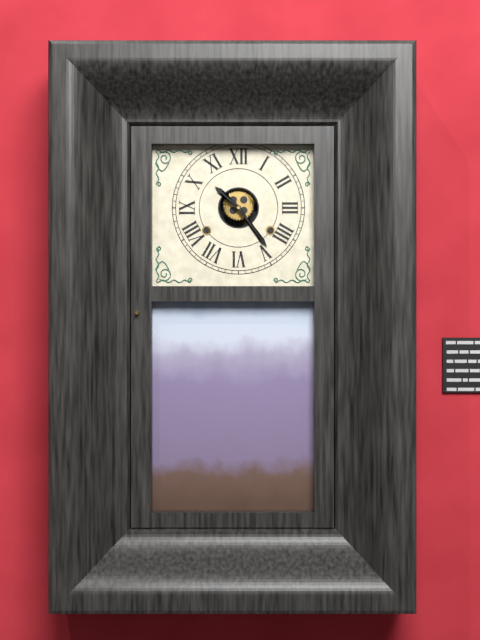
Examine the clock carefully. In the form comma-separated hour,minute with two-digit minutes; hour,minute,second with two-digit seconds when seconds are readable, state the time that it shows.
10,24
